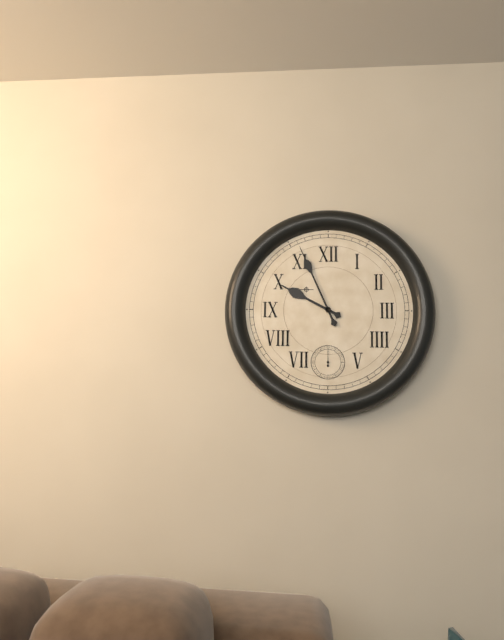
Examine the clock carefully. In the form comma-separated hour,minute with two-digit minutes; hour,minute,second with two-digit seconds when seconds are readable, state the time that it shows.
9,56
